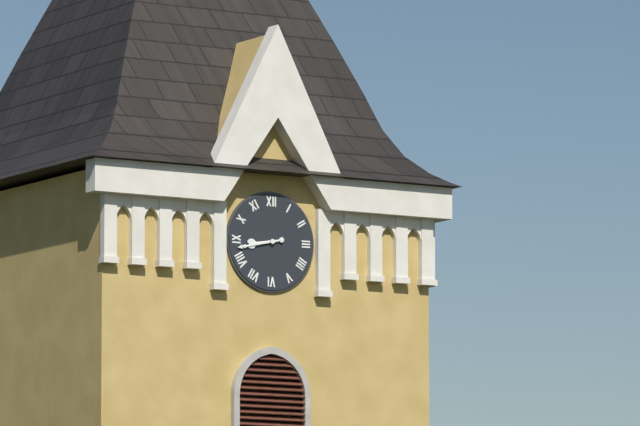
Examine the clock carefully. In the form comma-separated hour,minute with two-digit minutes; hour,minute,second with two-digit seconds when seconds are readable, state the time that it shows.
8,43
